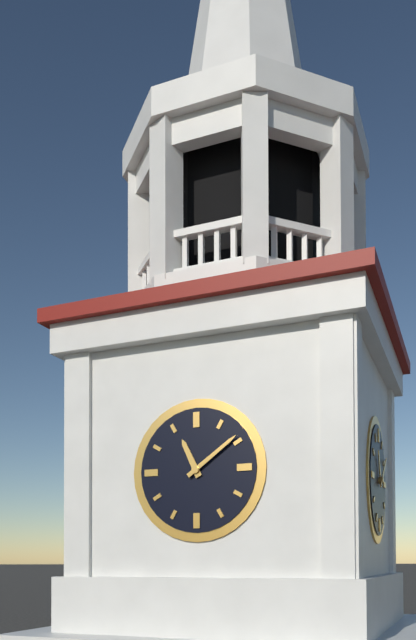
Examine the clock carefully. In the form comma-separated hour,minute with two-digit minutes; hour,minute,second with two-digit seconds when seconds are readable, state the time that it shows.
11,09
